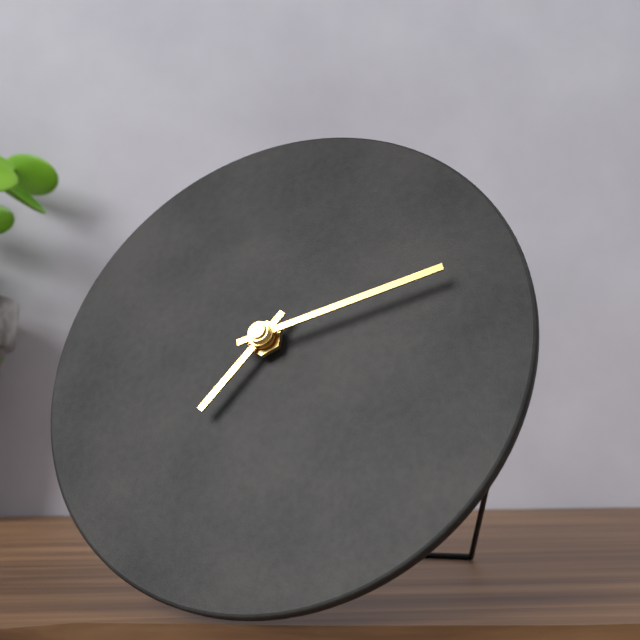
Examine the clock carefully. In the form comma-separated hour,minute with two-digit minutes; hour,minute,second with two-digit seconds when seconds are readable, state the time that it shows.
7,12
